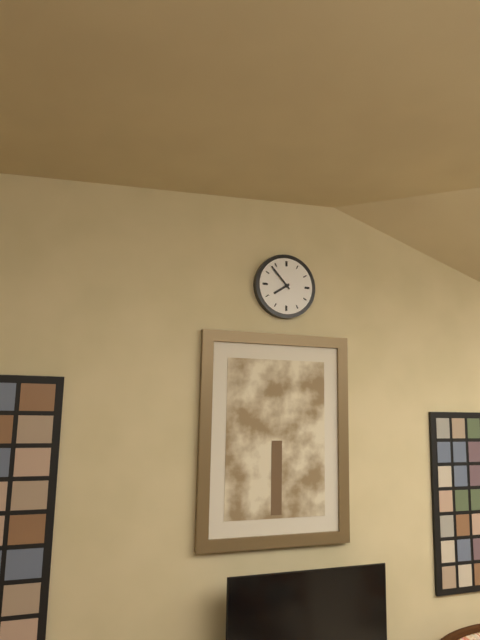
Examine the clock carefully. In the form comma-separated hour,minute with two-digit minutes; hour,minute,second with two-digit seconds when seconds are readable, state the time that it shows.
7,53
